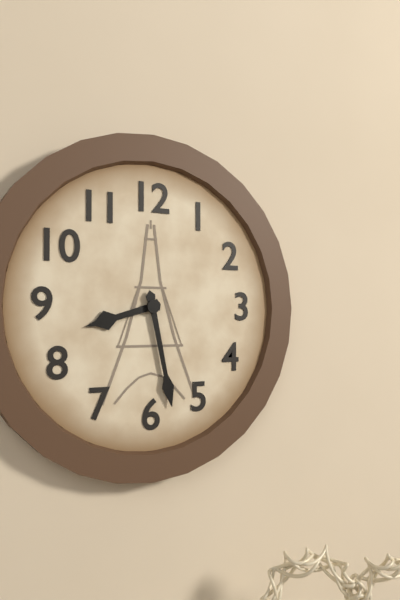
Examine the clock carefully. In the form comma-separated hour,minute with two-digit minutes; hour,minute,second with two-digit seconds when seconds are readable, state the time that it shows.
8,28
